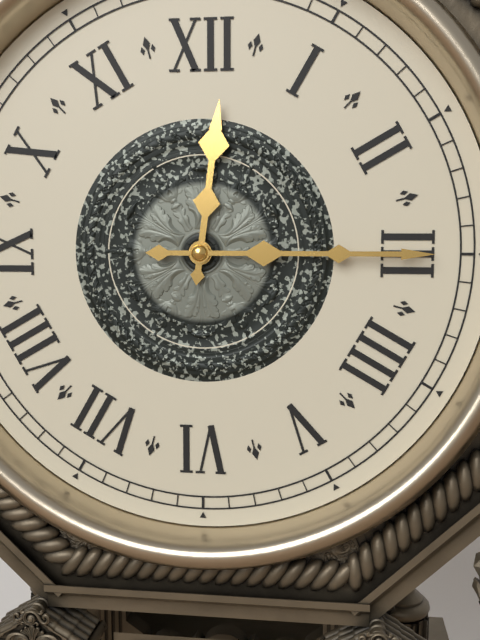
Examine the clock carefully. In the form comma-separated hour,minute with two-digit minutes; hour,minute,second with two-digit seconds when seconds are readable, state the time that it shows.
12,15
